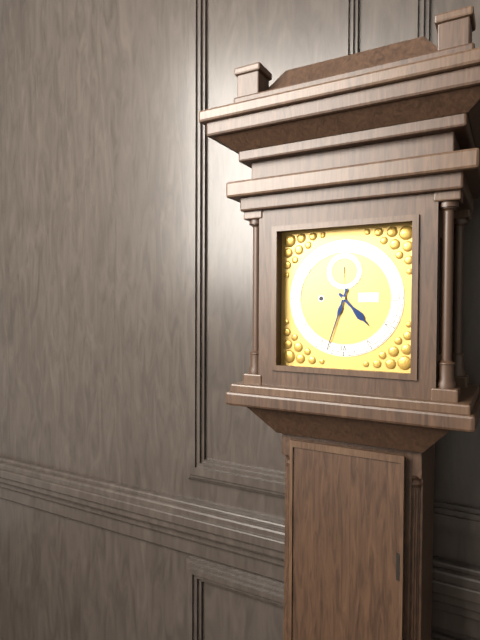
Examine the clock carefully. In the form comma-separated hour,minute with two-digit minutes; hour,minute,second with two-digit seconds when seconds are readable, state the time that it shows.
4,33
